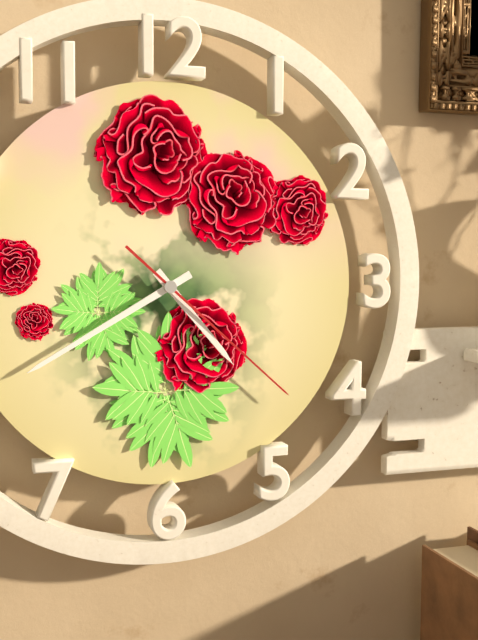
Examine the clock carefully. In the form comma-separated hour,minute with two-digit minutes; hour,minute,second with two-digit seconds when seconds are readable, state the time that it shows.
4,40,22
